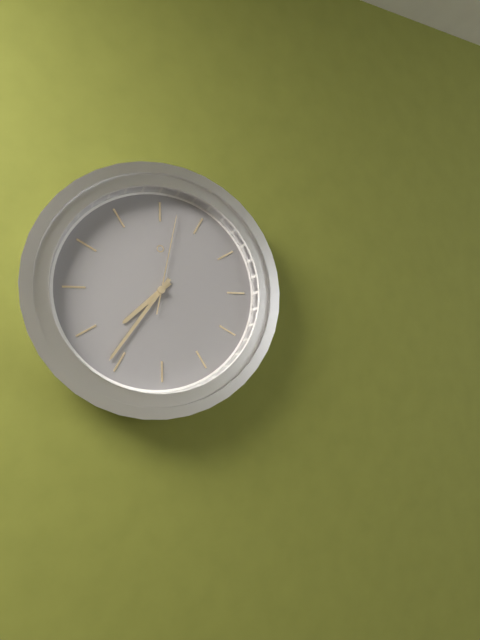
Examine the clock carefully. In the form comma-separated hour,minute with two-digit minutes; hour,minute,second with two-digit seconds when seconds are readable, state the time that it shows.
7,36,02
